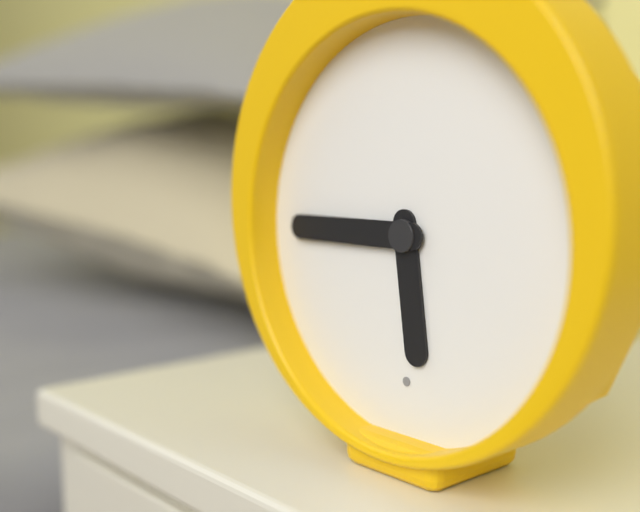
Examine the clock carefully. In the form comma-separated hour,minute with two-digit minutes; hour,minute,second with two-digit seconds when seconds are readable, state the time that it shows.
5,45
